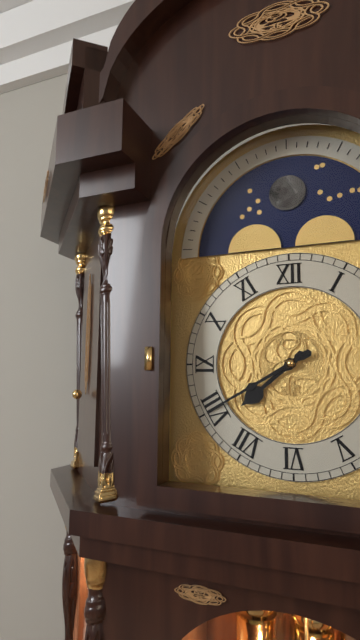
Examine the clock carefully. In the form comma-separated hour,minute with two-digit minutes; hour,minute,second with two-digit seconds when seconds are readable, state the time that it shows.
7,40
